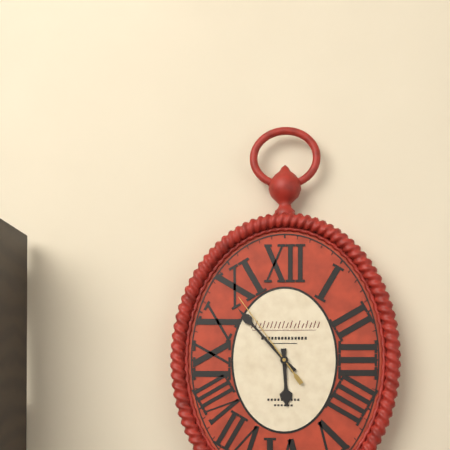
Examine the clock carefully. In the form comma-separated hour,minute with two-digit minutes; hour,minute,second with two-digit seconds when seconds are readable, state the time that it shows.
5,53,54
